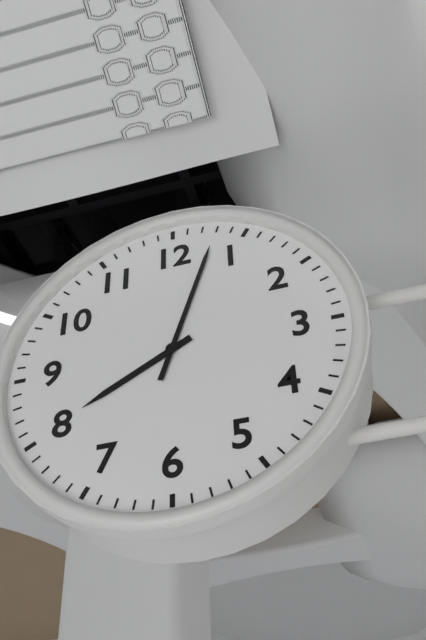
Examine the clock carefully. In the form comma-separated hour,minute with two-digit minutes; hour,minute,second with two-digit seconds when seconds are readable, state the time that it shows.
8,03
